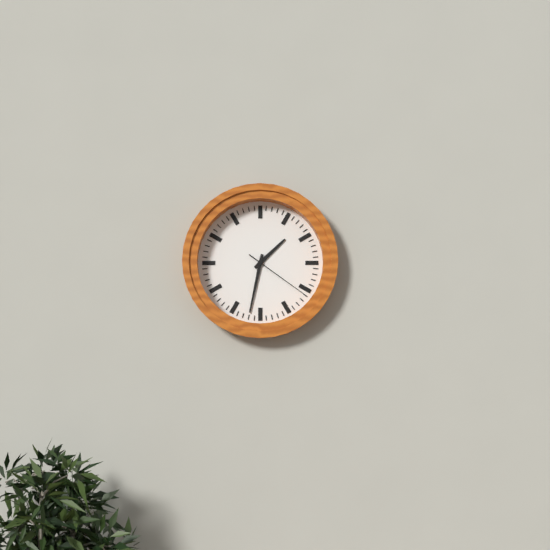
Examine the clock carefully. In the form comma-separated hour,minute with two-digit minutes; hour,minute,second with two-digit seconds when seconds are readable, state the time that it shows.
1,32,21
